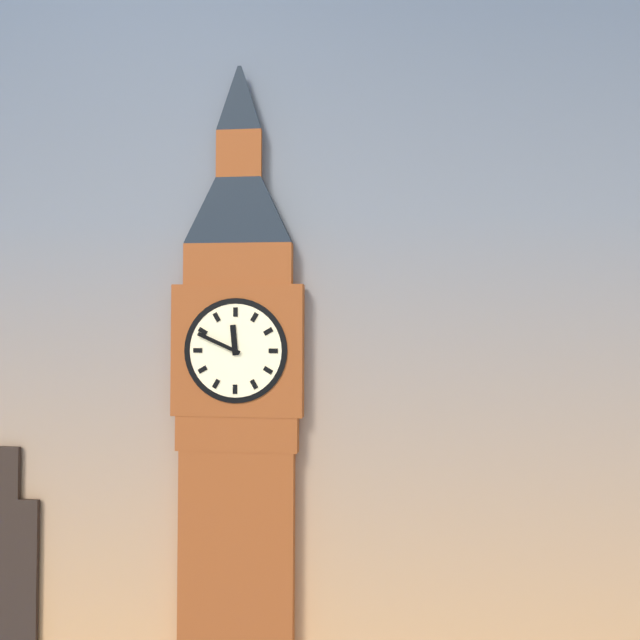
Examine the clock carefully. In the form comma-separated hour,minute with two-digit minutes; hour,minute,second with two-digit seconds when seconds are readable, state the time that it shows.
11,49
